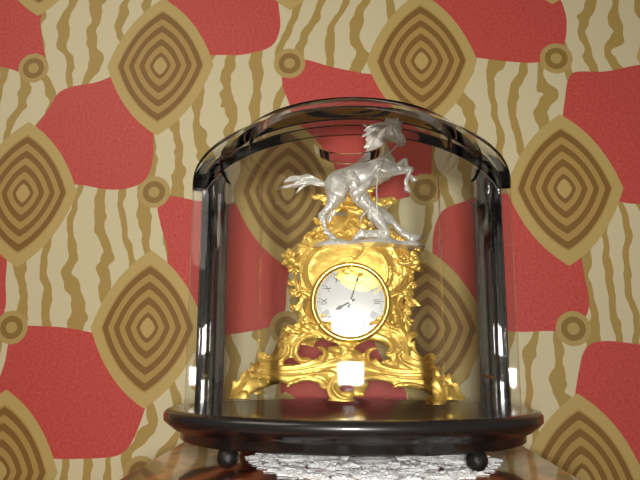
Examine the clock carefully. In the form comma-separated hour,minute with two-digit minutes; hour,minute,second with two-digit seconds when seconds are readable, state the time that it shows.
8,03
